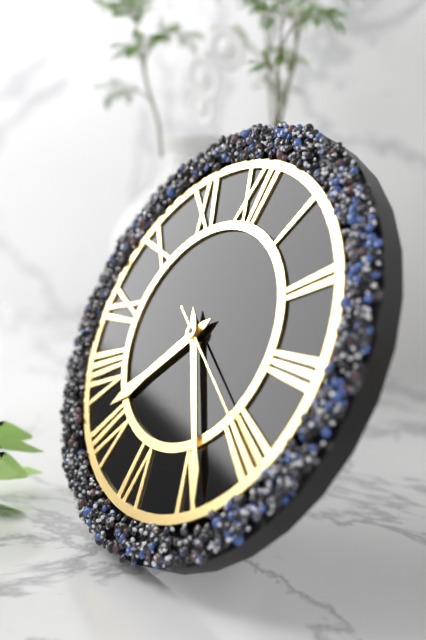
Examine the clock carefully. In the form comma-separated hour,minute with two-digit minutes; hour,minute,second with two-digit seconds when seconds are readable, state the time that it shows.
7,24,20
